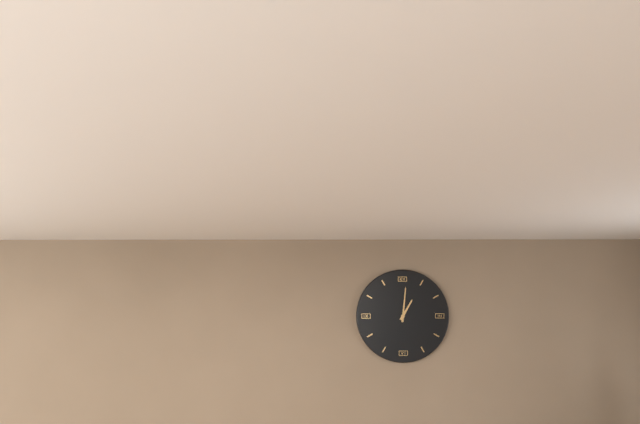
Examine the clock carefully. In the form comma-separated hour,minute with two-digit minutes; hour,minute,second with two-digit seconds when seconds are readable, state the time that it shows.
1,01
